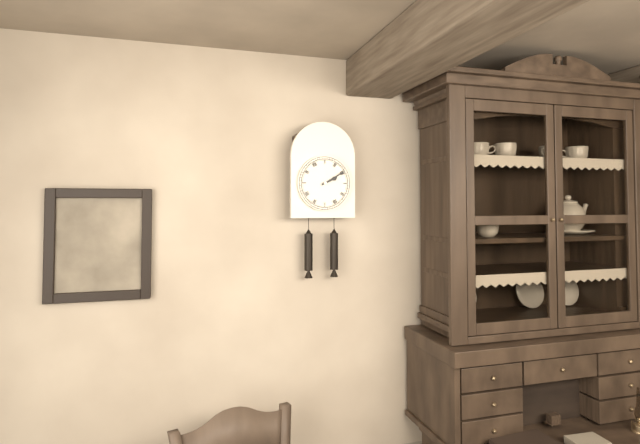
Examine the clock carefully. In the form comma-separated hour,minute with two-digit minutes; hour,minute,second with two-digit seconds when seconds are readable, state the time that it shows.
2,10
